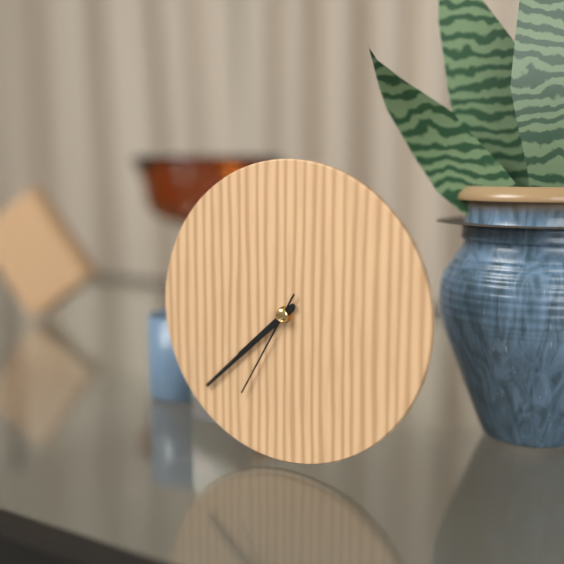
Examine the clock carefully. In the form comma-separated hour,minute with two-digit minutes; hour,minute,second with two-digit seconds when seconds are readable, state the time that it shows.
7,38,35
